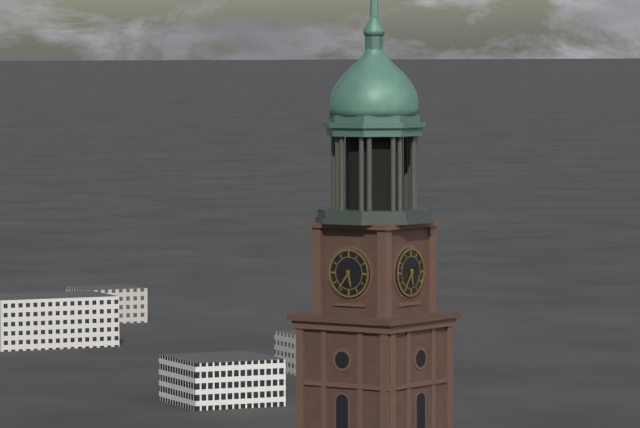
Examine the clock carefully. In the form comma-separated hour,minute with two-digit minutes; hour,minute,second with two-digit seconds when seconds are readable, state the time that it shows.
5,36
